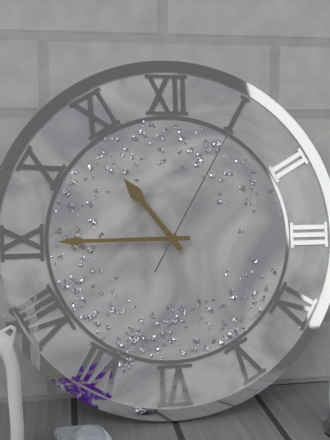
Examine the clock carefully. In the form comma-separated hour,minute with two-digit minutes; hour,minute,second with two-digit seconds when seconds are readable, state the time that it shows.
10,45,05
